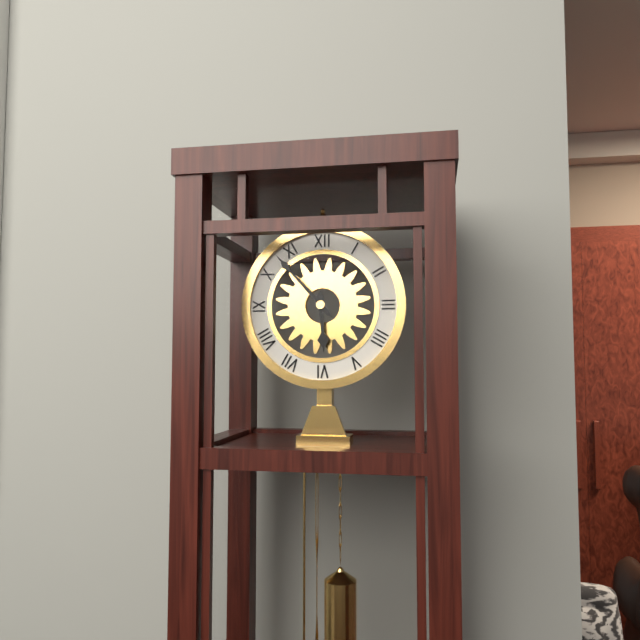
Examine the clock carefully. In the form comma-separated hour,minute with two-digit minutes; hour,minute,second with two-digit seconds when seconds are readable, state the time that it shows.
5,53
